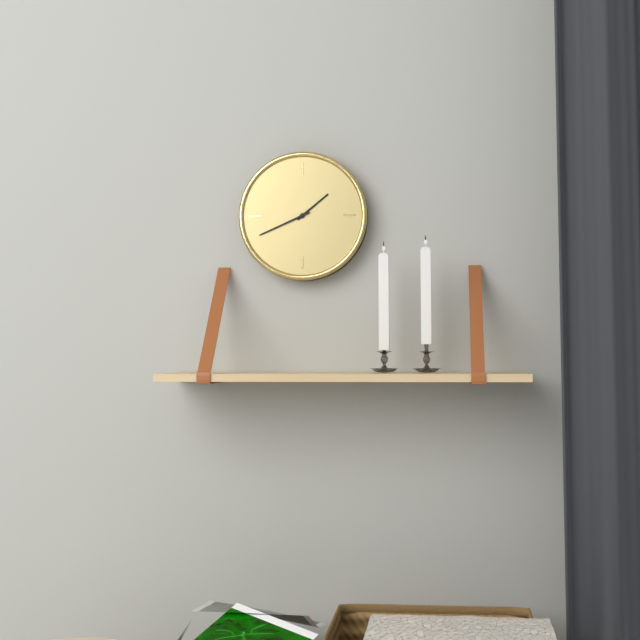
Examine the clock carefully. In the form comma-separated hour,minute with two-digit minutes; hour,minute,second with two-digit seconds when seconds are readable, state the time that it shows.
1,41
